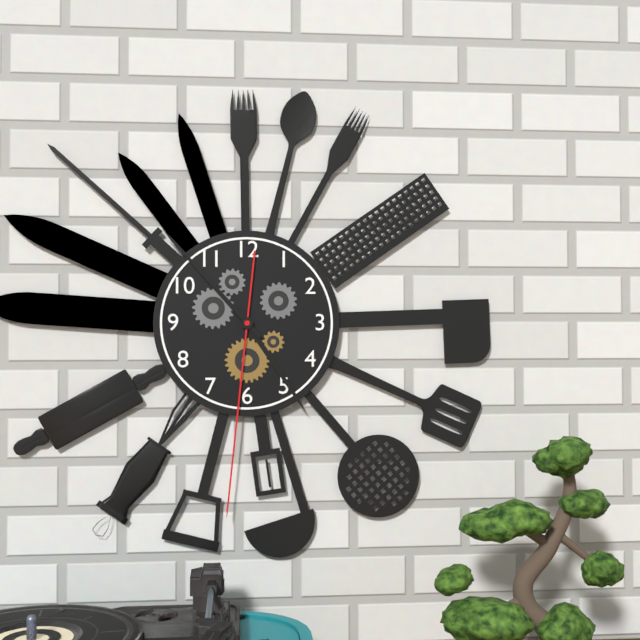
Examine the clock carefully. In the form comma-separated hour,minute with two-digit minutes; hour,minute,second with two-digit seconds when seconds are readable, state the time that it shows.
4,53,31
